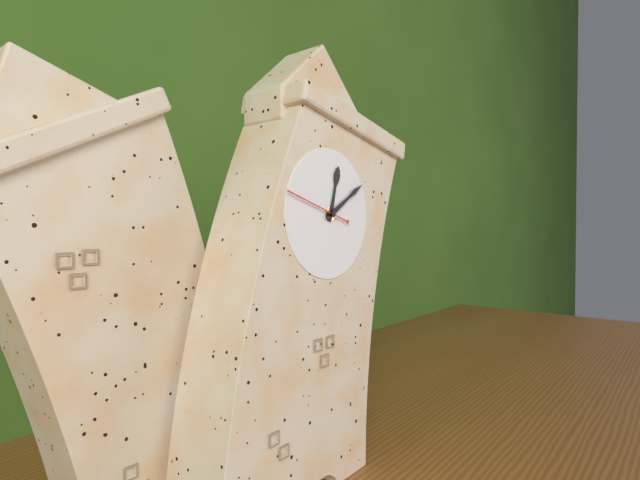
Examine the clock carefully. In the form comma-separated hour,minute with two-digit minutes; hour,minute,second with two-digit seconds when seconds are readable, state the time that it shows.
12,08,46
